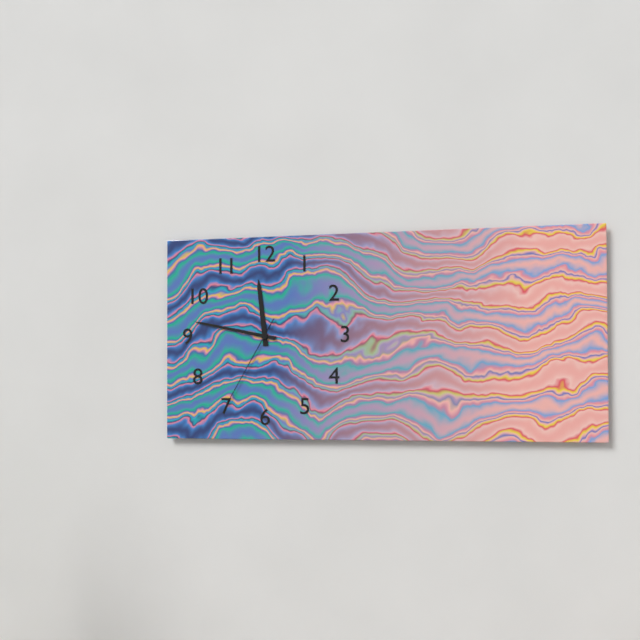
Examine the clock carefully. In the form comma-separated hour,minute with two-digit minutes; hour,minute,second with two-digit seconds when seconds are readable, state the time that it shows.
11,47,35
